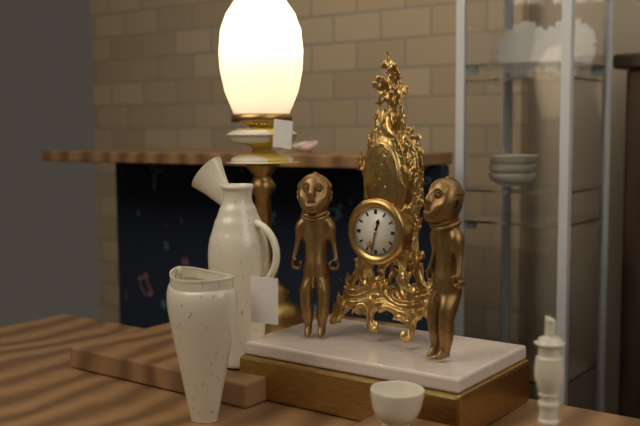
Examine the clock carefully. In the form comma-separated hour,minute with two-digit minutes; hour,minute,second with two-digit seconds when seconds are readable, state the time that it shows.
12,32
